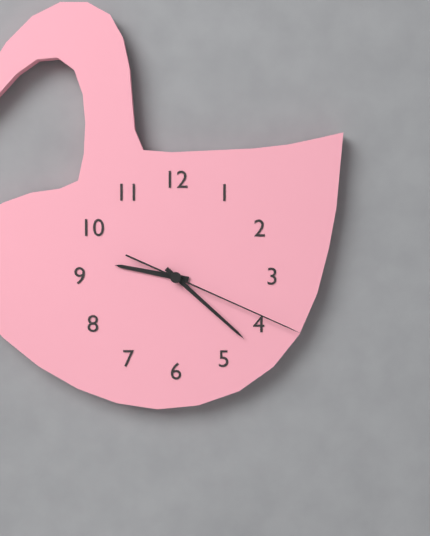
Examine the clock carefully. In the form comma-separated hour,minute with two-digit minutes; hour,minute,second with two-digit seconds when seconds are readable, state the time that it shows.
9,22,19
